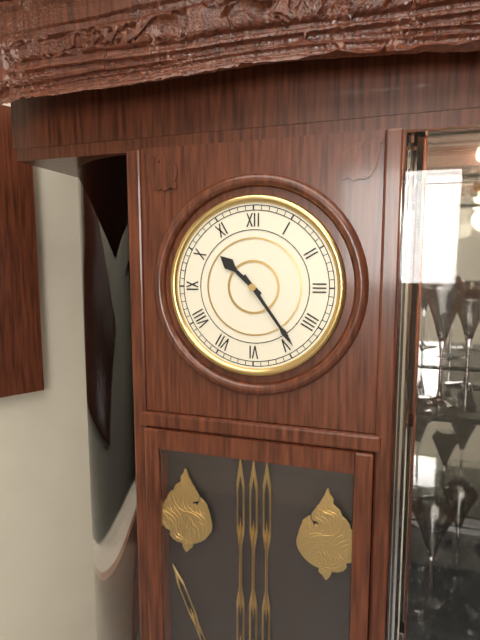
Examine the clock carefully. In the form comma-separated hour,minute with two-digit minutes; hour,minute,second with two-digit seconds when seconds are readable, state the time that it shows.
10,24
